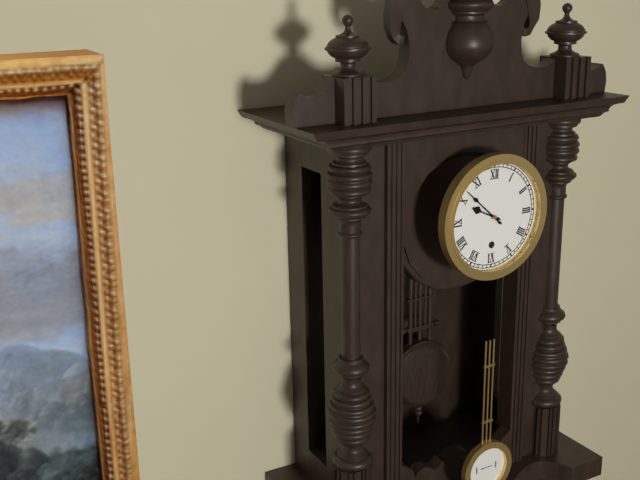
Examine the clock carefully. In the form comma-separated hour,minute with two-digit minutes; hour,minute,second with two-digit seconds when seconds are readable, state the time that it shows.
9,52
